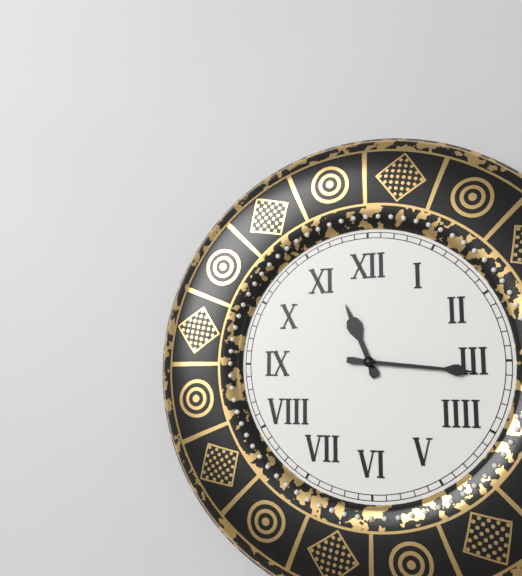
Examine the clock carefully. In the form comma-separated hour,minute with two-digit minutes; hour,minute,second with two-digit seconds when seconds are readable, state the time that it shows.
11,16
